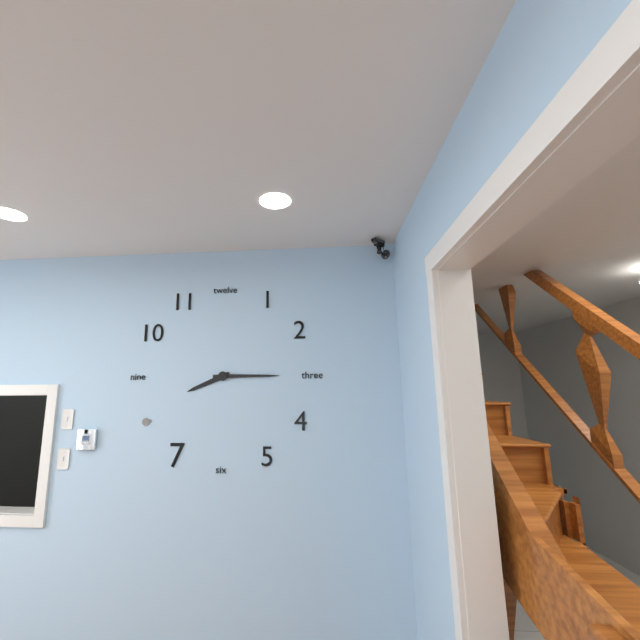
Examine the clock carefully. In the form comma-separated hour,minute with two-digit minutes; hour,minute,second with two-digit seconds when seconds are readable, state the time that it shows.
8,15
